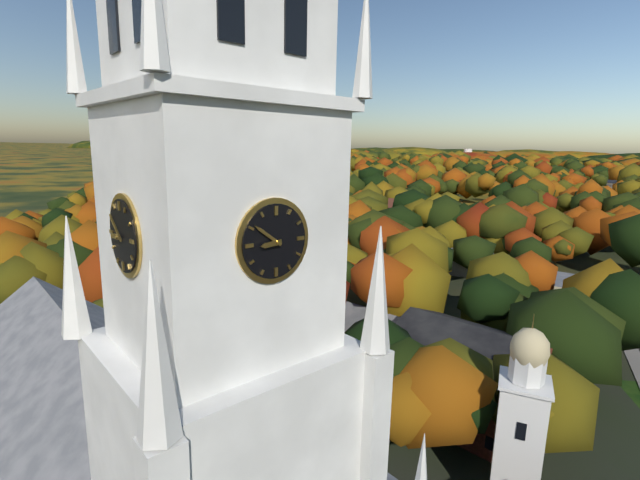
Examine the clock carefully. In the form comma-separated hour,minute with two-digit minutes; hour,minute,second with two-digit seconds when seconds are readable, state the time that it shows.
8,51
